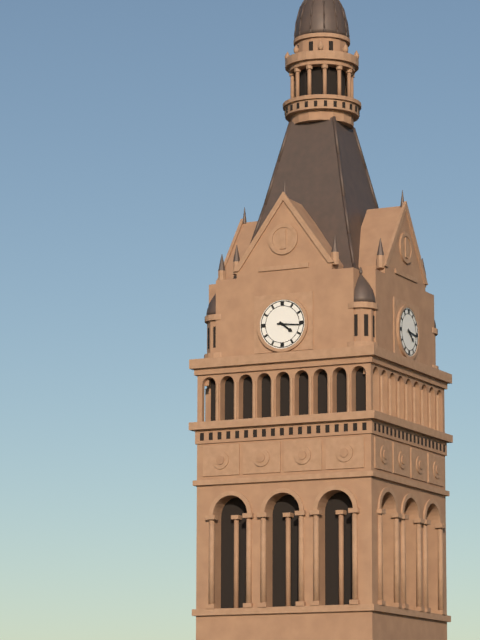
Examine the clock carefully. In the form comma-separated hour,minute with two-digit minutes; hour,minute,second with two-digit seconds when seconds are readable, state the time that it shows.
4,16
